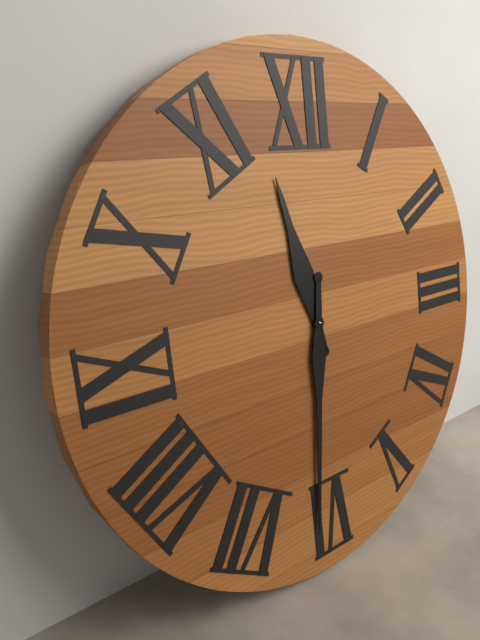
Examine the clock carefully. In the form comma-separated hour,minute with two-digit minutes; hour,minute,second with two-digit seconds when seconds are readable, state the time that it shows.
11,31
